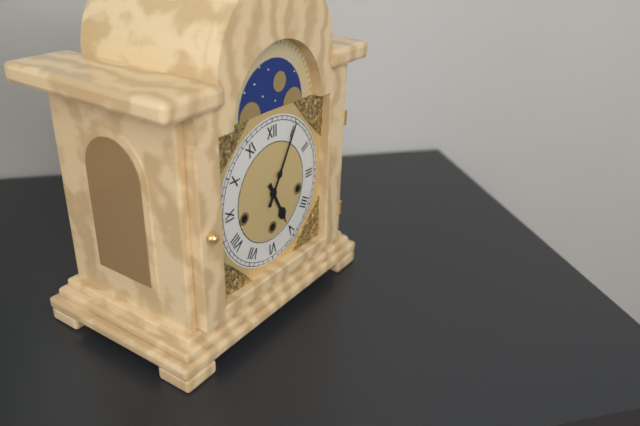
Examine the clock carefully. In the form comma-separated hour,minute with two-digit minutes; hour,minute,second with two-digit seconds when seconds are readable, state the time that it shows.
5,05
